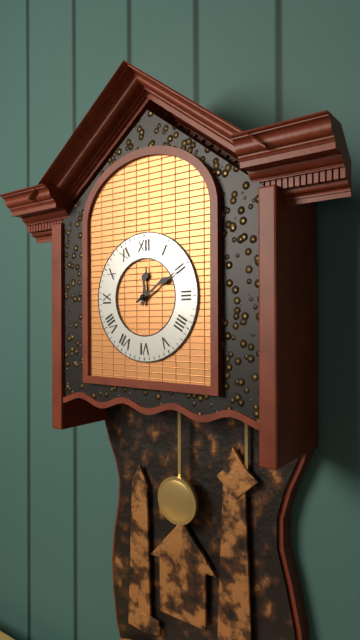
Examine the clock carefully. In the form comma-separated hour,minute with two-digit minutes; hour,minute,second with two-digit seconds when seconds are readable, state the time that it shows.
12,10
